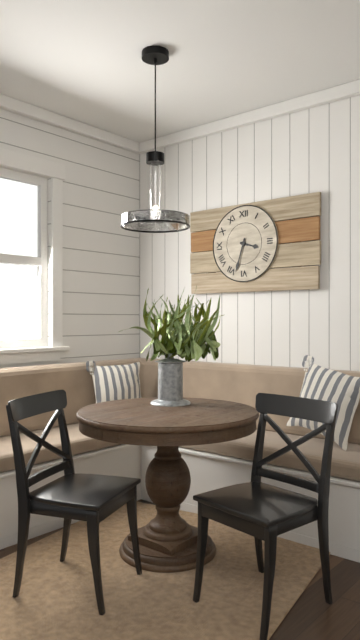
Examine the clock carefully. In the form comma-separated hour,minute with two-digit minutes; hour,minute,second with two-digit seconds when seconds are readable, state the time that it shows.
3,33
